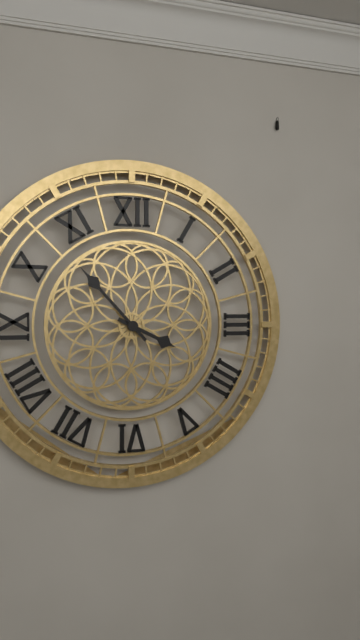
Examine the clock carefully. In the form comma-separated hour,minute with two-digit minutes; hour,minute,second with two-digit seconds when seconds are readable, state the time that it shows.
3,53
